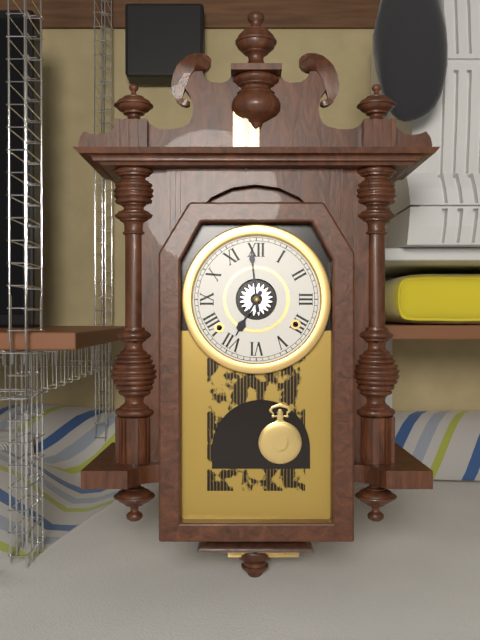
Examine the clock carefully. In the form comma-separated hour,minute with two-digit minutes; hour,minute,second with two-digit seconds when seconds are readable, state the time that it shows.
6,59
